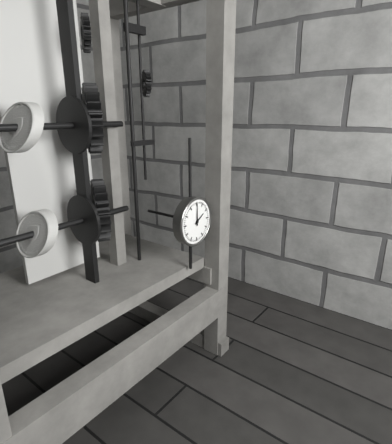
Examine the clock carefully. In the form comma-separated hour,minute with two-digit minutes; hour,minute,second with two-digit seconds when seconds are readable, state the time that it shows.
2,00
